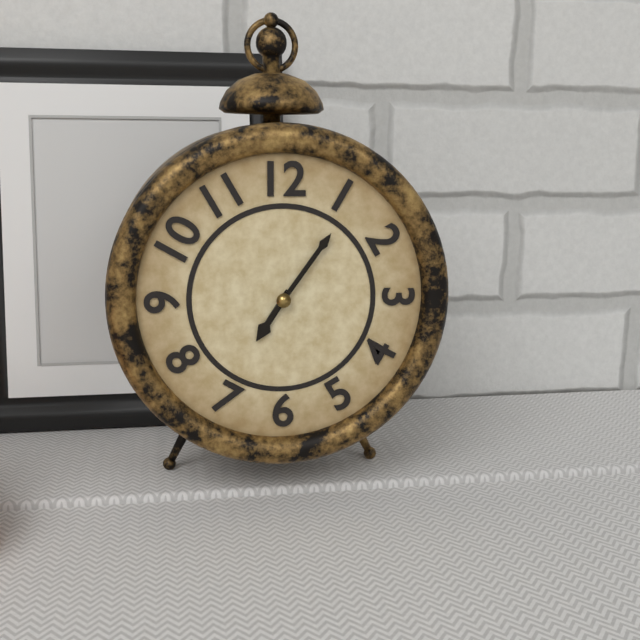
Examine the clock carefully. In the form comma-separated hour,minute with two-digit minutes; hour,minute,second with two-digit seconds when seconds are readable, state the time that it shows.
7,06
